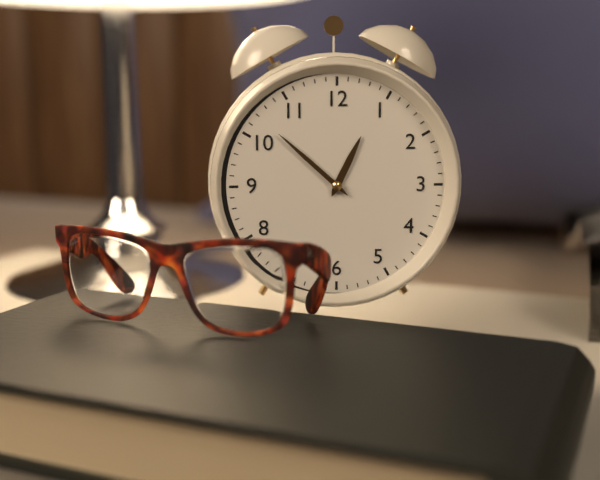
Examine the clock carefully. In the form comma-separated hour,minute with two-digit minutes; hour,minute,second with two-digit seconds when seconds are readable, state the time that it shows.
12,52
